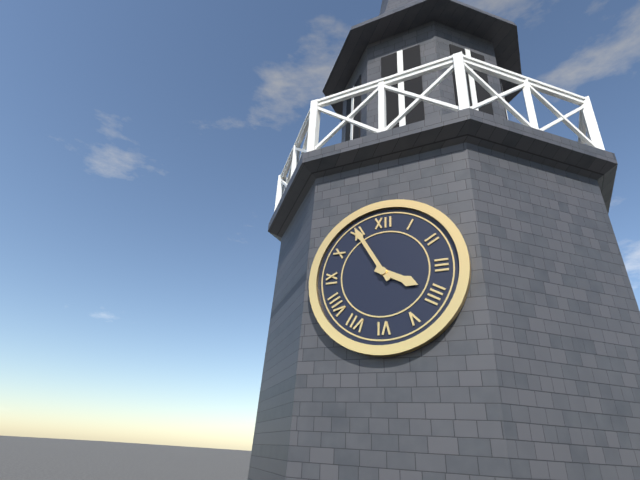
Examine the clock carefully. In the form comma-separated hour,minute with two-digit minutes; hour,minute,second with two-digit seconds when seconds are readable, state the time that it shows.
3,55
